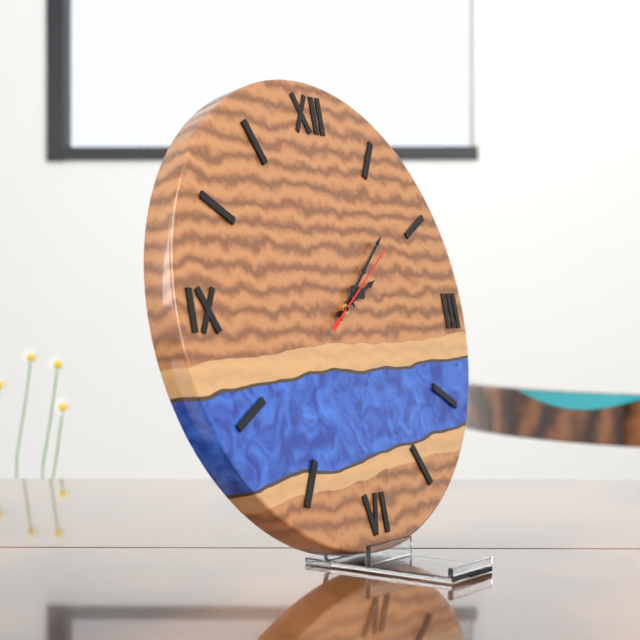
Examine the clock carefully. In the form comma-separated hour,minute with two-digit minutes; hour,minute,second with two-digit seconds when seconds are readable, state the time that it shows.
2,08,09
